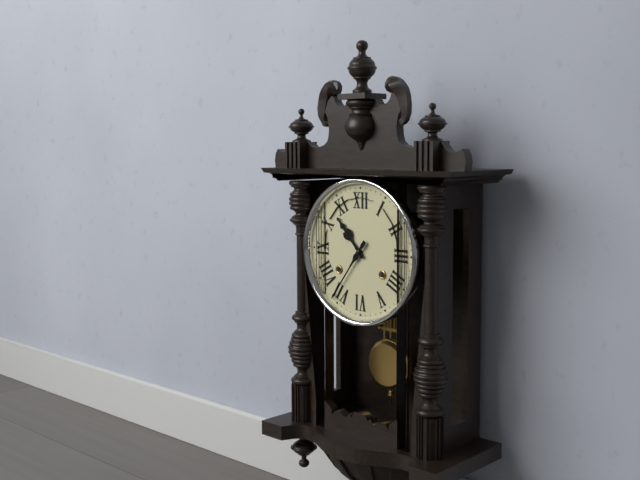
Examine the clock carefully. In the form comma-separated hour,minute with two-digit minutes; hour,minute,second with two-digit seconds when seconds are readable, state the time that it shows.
10,36
